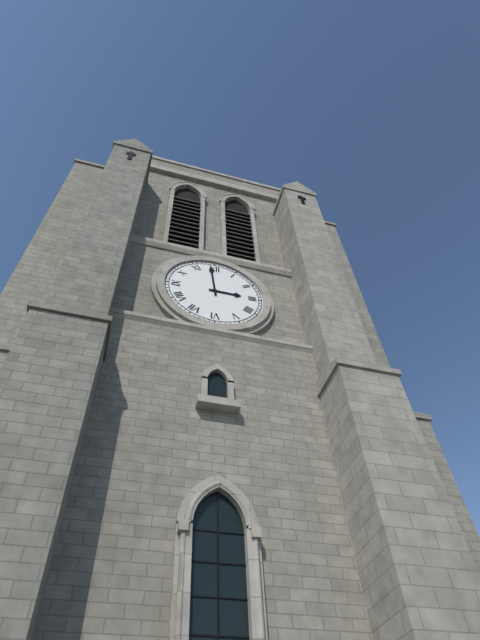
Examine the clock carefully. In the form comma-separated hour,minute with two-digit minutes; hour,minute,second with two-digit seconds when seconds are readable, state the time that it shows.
2,59
